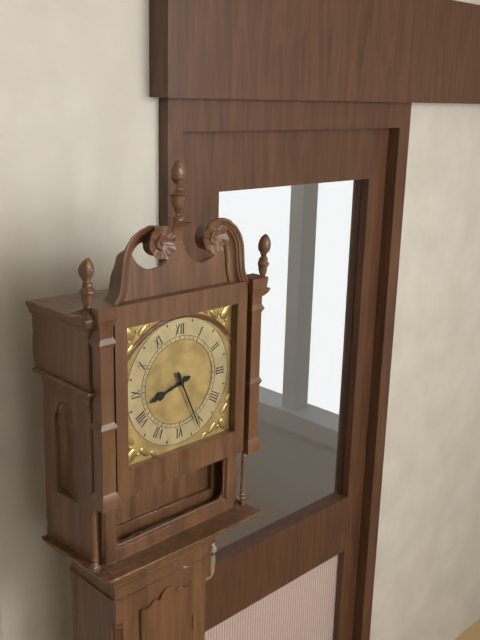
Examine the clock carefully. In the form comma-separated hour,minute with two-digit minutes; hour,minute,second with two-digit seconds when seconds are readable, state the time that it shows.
8,26
